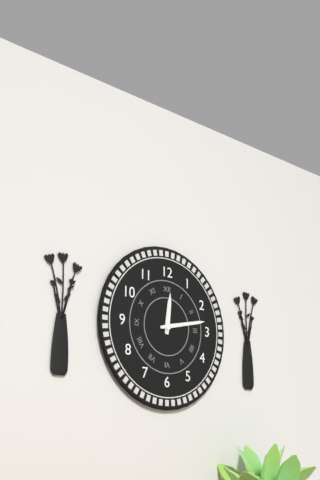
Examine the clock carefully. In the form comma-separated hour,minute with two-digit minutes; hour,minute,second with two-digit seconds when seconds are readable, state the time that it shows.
12,13
